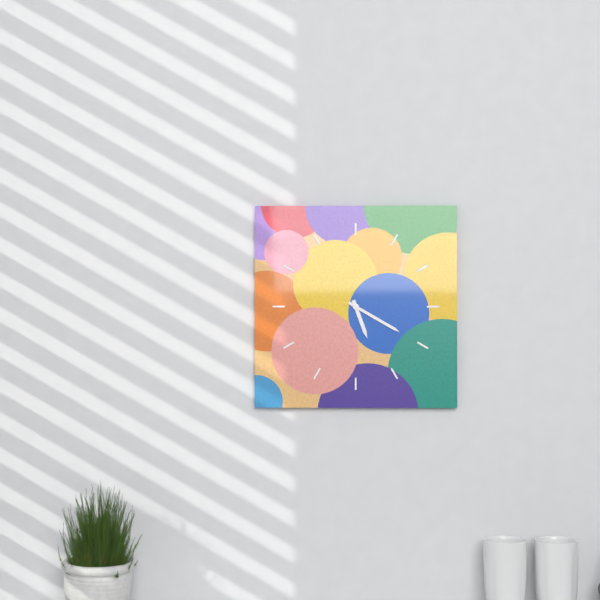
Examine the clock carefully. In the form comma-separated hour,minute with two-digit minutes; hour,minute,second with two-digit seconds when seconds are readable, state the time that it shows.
5,20
